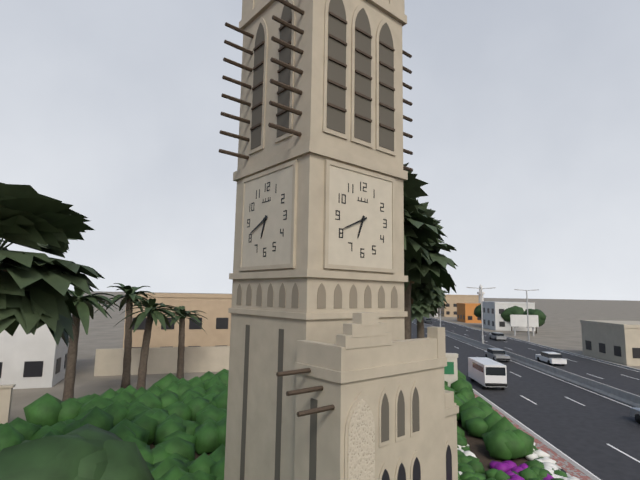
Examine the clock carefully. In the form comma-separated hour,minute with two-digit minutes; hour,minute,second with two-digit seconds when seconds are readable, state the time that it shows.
6,41
